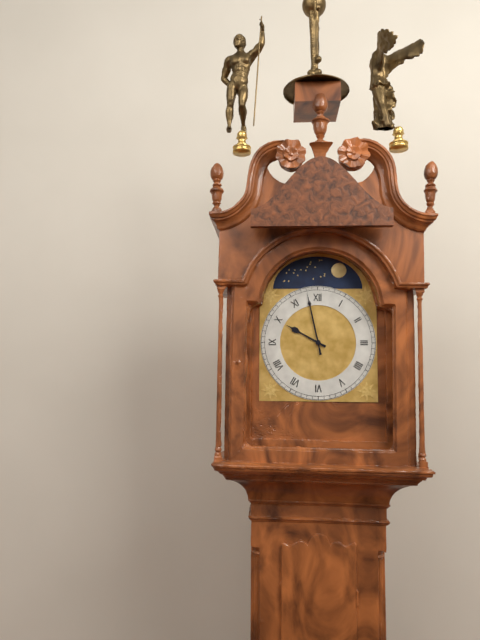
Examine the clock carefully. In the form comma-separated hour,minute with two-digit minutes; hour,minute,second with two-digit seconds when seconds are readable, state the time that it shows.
9,58
